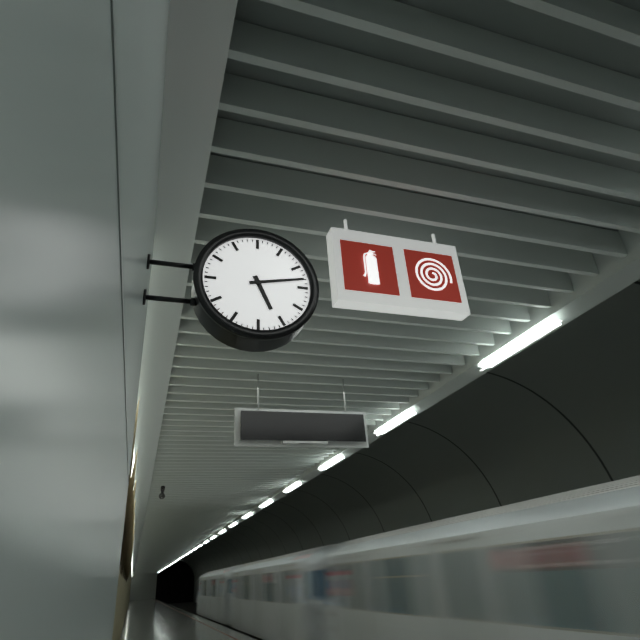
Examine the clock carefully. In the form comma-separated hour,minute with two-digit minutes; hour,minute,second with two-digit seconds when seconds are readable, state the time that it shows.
5,13
